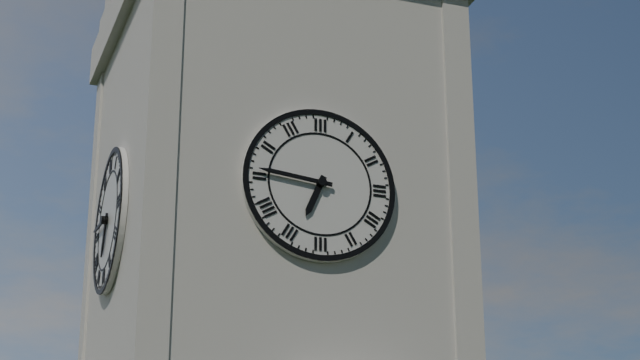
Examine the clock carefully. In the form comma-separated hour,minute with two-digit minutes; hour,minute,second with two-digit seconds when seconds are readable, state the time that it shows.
6,46
